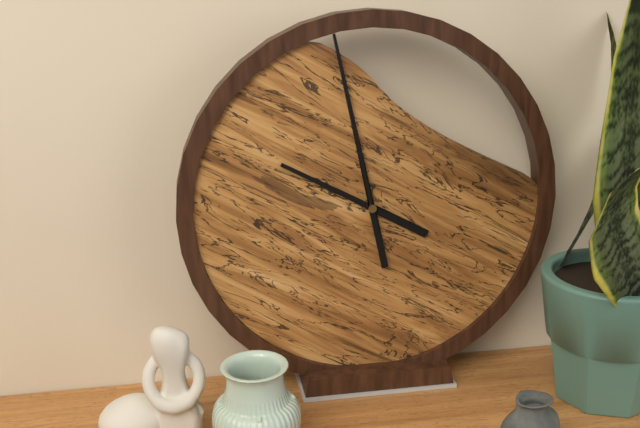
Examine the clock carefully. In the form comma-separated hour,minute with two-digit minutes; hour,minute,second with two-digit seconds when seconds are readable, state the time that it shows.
9,58
